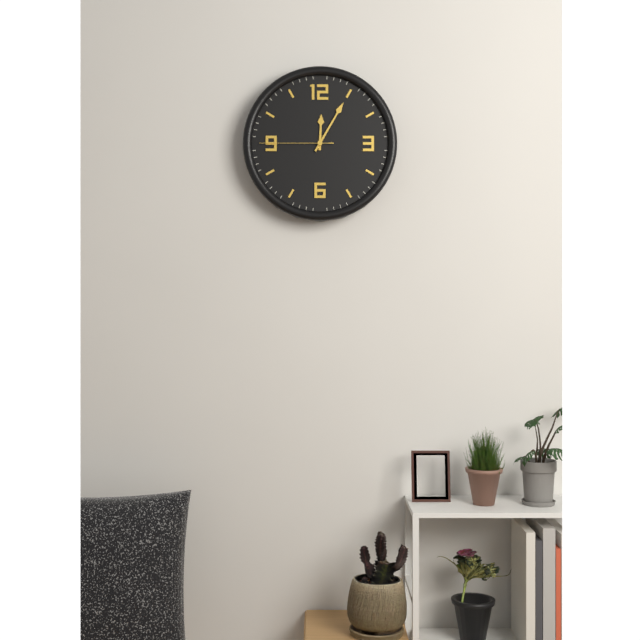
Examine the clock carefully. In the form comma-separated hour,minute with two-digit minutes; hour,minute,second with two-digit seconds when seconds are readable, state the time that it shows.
12,05,45
